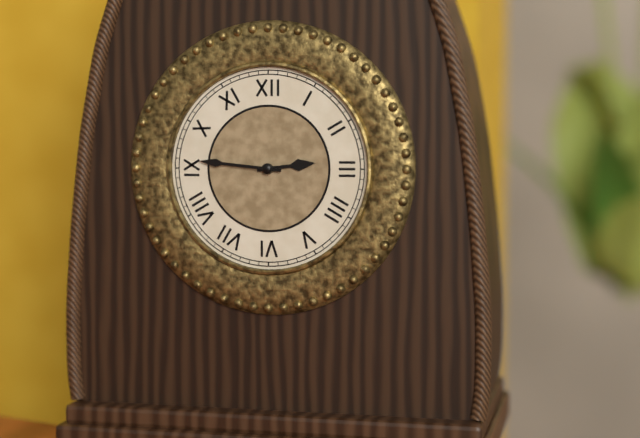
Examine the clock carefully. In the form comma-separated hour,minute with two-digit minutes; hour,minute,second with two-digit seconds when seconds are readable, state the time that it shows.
2,46
